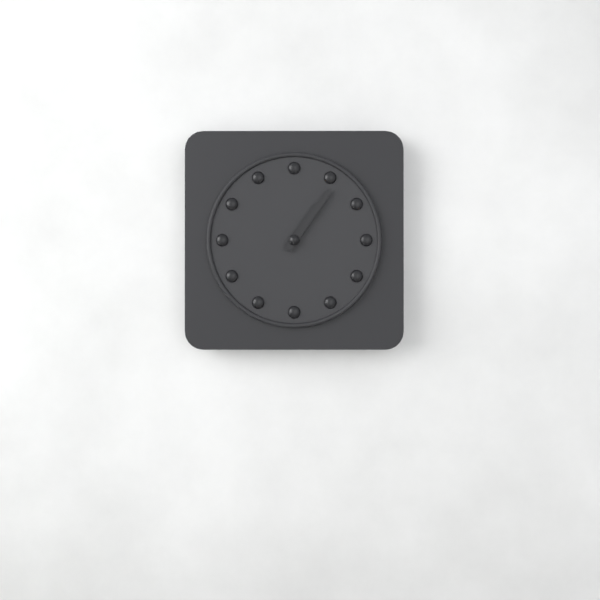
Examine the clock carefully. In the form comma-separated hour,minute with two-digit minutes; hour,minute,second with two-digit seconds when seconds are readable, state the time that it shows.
1,06
